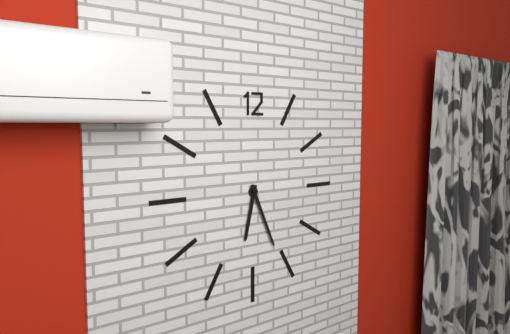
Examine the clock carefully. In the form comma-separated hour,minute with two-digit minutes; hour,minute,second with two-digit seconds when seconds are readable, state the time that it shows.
6,26
